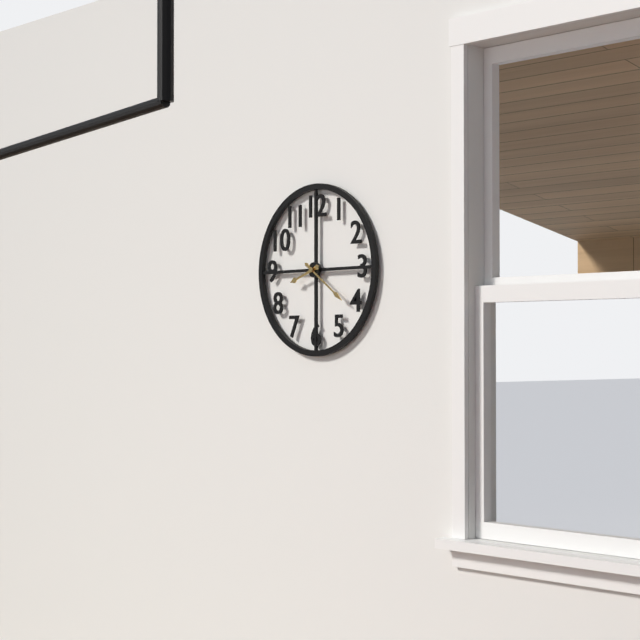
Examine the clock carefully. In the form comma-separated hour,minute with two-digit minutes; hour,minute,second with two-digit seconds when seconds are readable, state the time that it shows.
8,21
